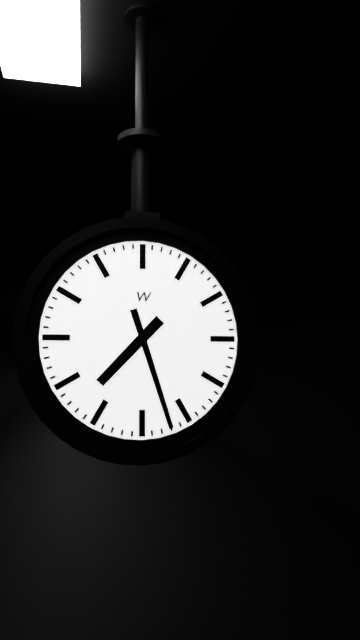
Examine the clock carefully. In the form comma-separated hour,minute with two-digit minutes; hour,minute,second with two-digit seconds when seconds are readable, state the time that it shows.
7,27
